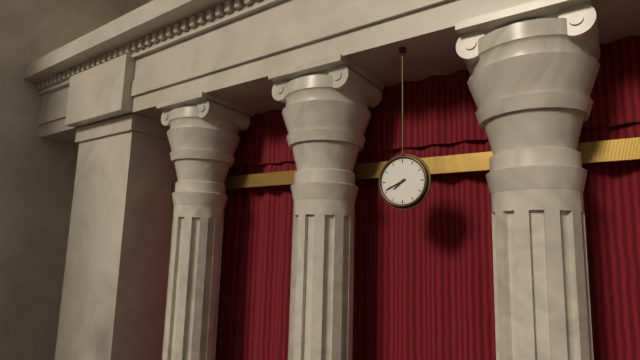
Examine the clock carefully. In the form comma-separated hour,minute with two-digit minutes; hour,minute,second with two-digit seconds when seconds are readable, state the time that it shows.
7,41
